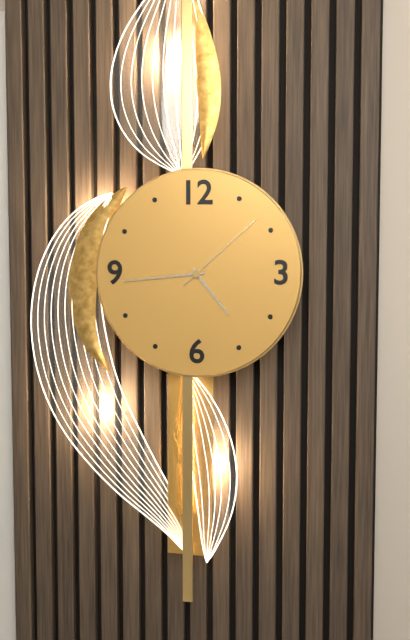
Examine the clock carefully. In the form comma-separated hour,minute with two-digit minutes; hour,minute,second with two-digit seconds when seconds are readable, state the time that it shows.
4,44,08
